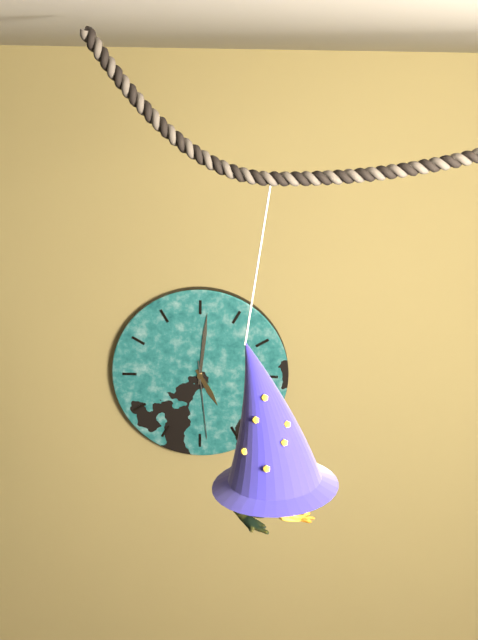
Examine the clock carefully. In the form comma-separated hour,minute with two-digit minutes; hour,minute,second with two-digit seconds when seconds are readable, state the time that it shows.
5,01,29
